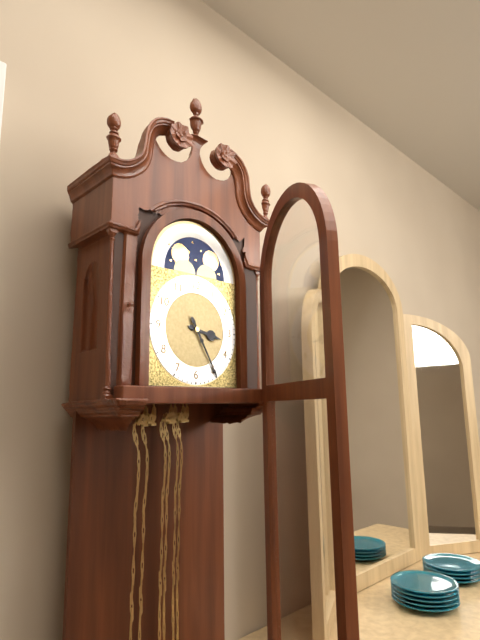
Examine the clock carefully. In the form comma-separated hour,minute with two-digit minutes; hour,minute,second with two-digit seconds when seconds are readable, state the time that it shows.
3,25
